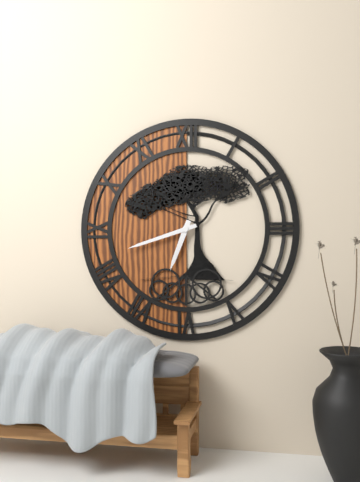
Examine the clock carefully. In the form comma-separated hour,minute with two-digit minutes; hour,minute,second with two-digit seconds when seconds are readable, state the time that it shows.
6,42
